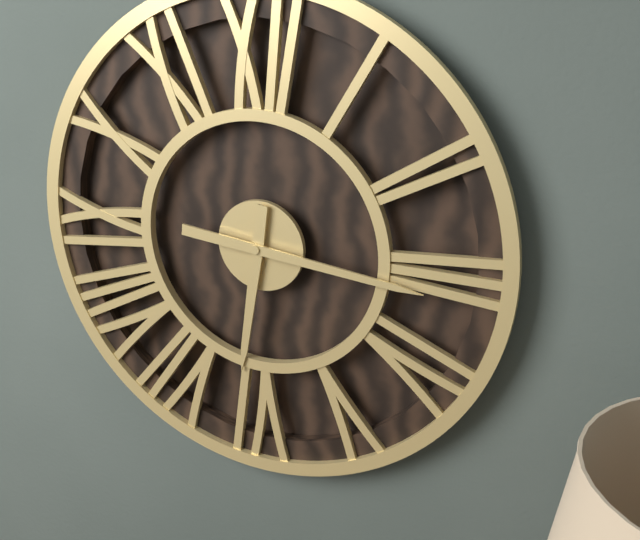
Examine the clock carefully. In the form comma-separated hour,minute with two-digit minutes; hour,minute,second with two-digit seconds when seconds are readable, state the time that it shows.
6,16
